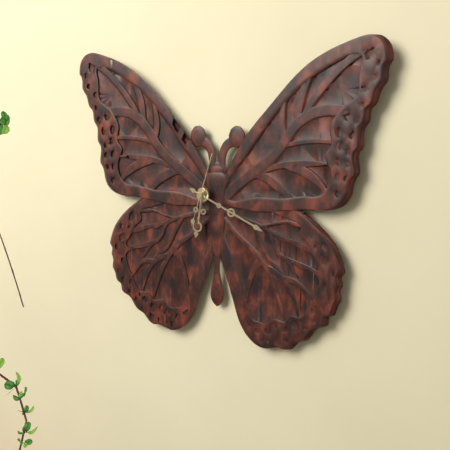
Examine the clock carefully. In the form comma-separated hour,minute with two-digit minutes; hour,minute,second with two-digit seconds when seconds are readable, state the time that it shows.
6,19,03
